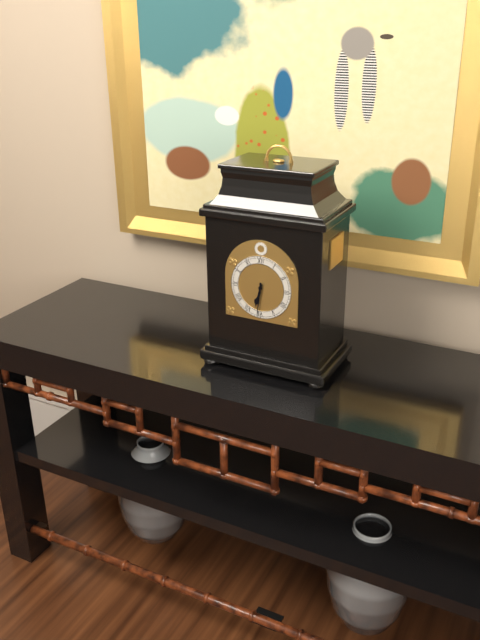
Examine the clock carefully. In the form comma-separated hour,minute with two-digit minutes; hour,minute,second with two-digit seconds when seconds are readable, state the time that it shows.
6,31
